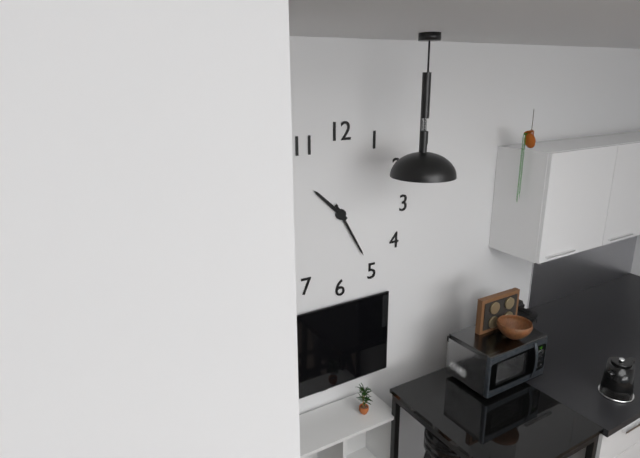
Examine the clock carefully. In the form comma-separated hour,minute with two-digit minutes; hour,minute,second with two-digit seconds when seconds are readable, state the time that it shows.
10,25
